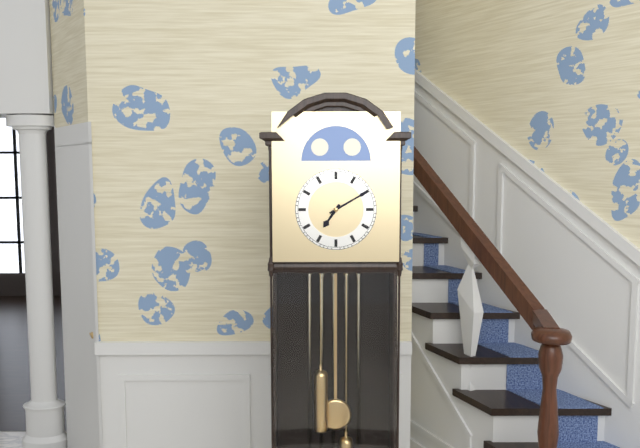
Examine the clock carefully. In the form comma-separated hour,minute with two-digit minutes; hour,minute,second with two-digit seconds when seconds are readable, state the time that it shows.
7,10
